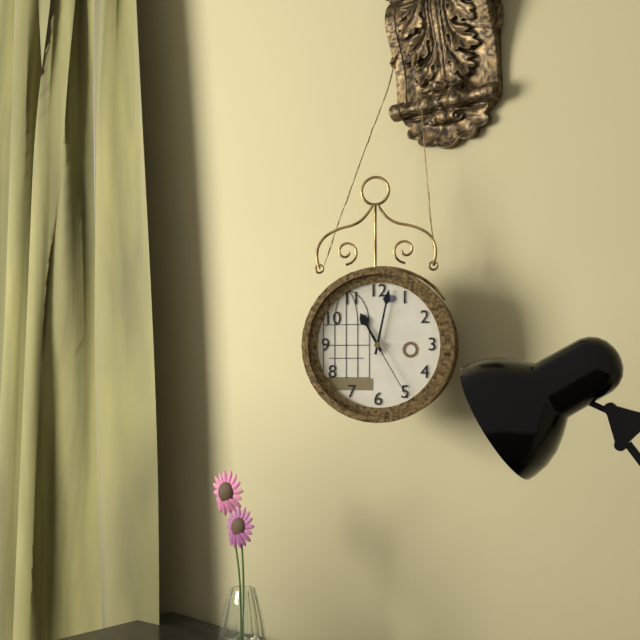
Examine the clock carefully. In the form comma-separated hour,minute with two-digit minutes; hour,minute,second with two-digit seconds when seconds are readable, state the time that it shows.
11,02,25
